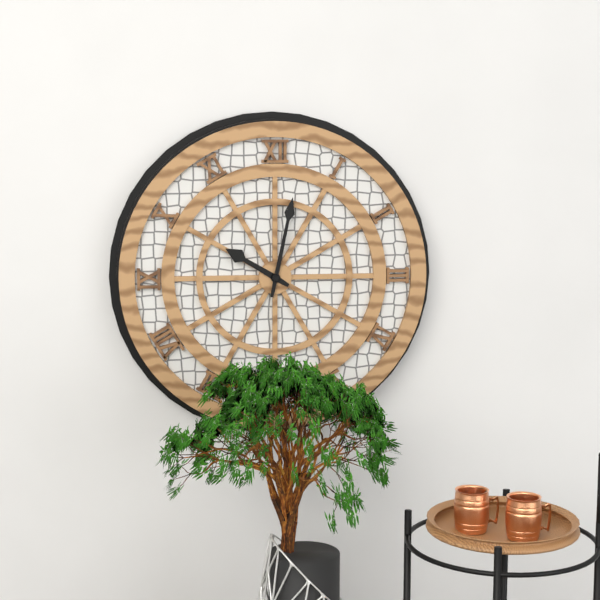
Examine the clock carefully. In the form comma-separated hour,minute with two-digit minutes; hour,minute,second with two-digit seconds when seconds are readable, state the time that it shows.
10,02
